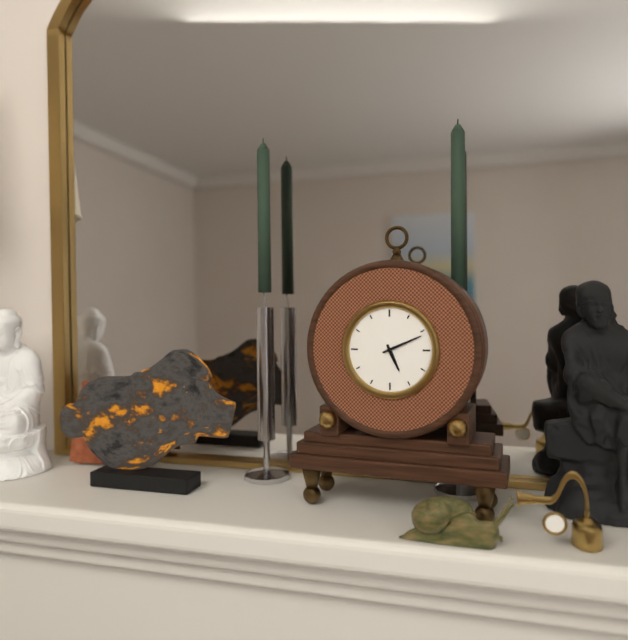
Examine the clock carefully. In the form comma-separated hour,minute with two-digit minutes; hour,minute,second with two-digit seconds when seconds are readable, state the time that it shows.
5,11
